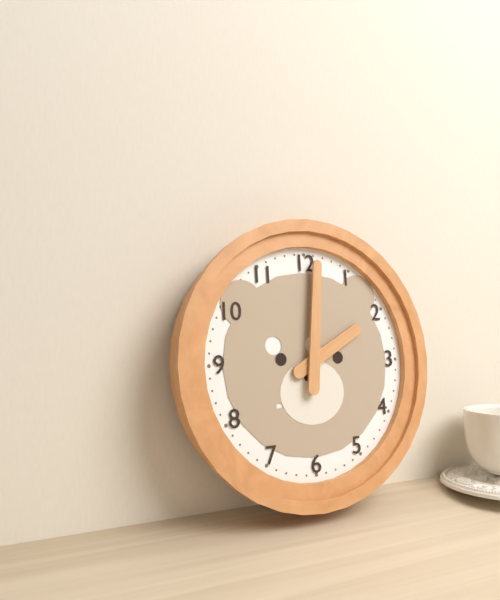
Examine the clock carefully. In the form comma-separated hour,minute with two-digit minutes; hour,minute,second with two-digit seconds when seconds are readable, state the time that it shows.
2,01
